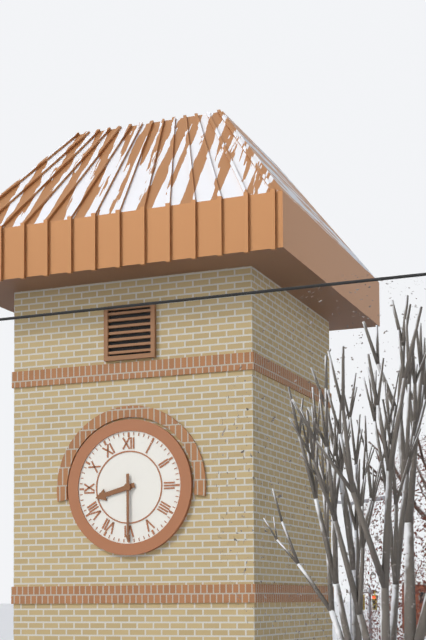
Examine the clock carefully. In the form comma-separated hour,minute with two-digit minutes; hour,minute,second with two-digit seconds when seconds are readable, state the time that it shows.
8,30
